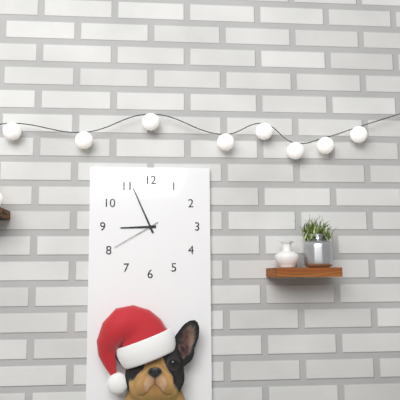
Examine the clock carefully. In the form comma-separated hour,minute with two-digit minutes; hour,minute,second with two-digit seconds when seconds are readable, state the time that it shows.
8,56,40
